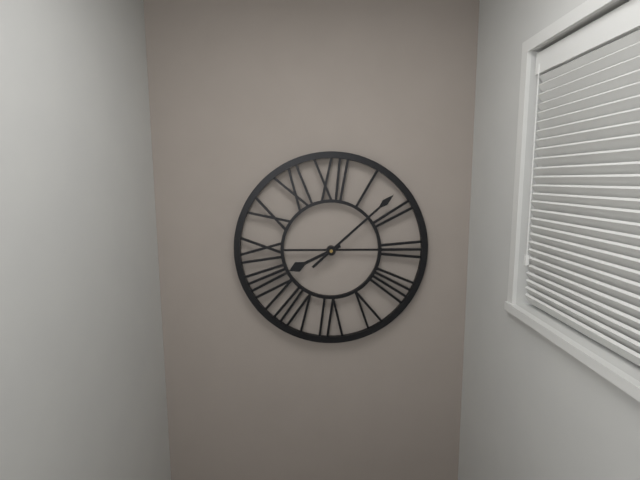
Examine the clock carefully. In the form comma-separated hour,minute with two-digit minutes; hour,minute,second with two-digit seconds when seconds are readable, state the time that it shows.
8,08
